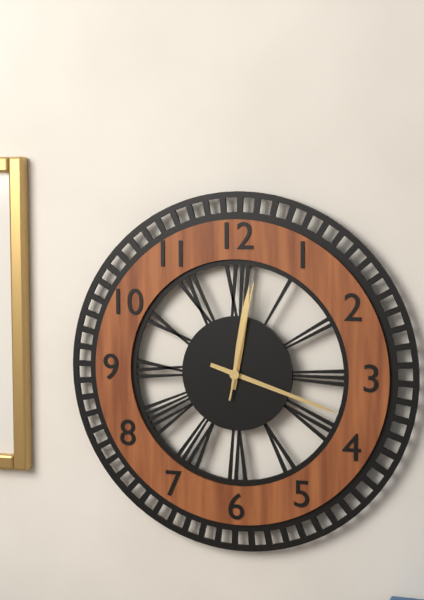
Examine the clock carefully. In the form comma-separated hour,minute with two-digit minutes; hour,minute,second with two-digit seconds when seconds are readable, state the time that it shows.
12,18,02
